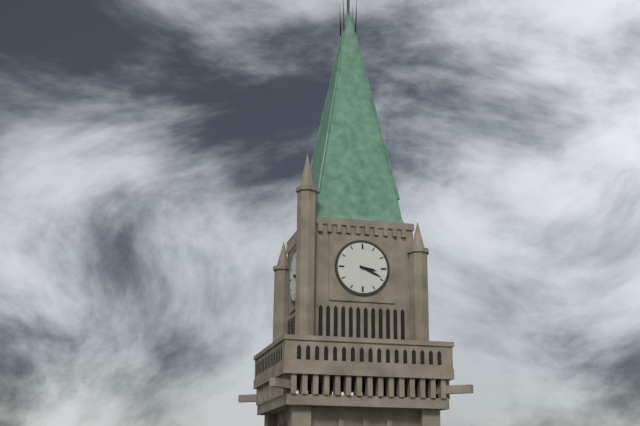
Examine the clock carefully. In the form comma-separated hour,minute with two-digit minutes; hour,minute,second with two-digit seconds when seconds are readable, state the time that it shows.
3,19
